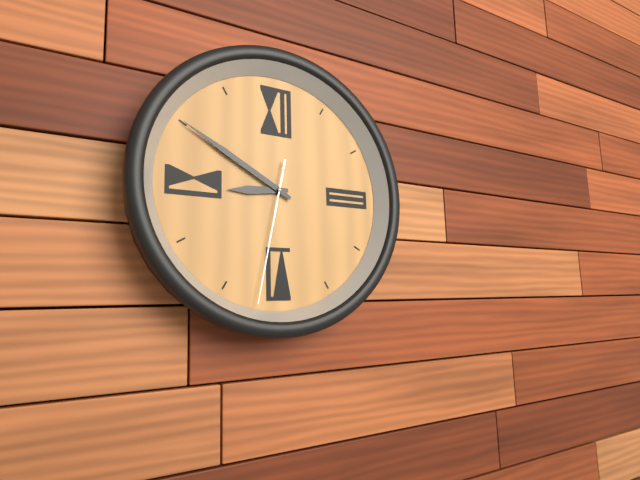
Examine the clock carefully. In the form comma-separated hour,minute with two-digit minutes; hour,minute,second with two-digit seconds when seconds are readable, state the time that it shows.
8,50,32
